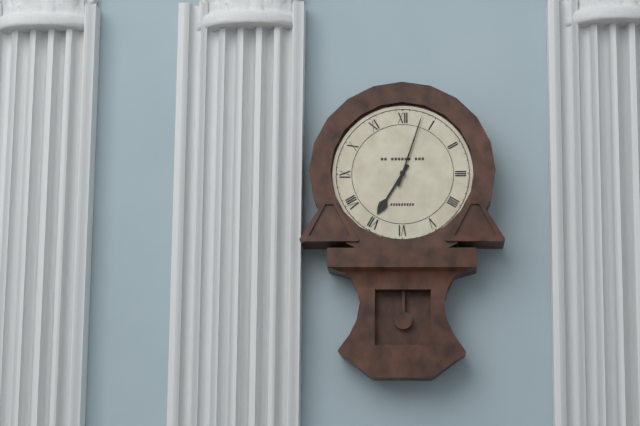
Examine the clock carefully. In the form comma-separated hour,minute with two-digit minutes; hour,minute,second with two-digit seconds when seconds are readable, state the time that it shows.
7,03
